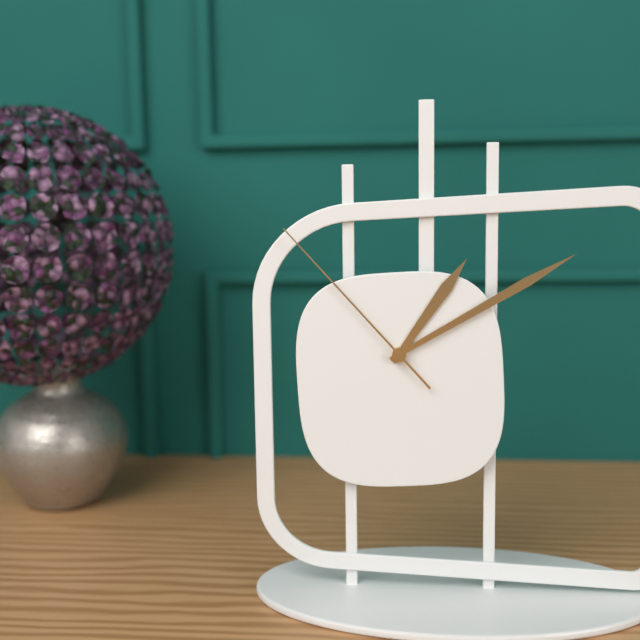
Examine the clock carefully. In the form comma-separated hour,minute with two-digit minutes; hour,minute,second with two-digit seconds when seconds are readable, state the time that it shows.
1,10,53
